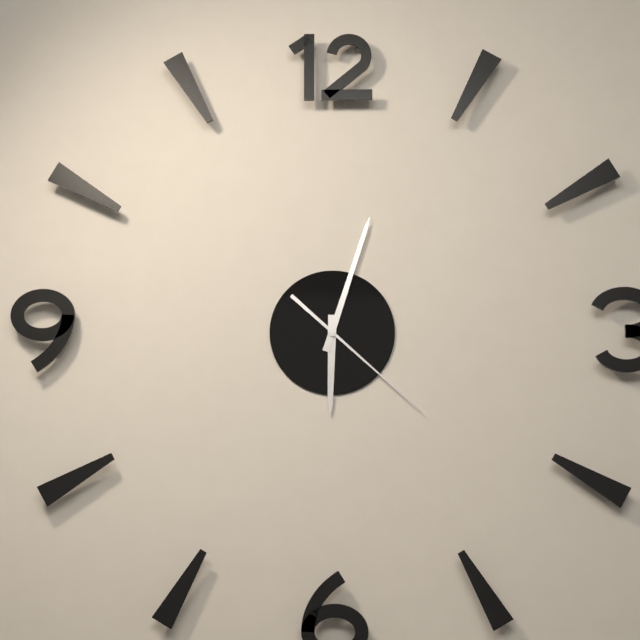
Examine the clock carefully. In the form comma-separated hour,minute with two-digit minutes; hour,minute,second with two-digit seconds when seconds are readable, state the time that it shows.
6,03,22
